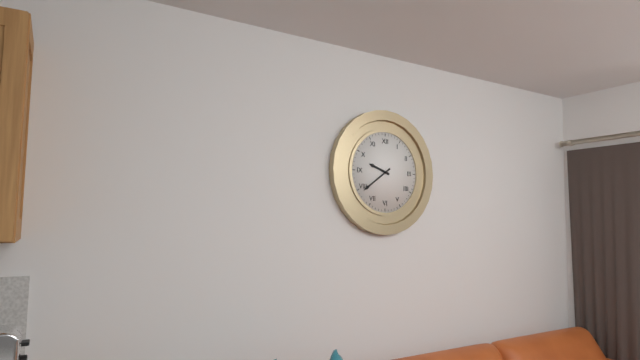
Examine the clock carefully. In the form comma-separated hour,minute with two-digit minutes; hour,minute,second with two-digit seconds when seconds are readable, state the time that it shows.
9,39
